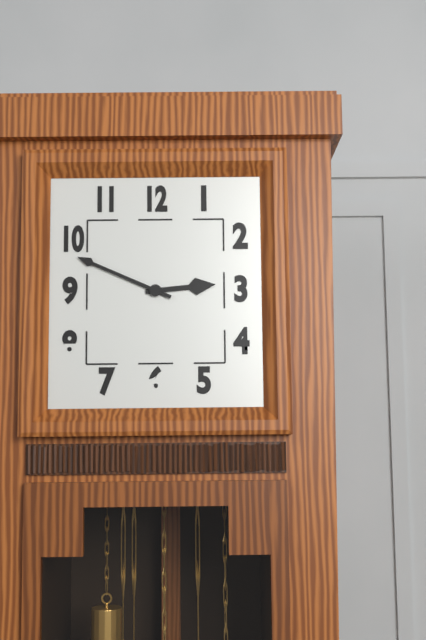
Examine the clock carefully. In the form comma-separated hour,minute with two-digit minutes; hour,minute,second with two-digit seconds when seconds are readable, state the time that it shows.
2,49
